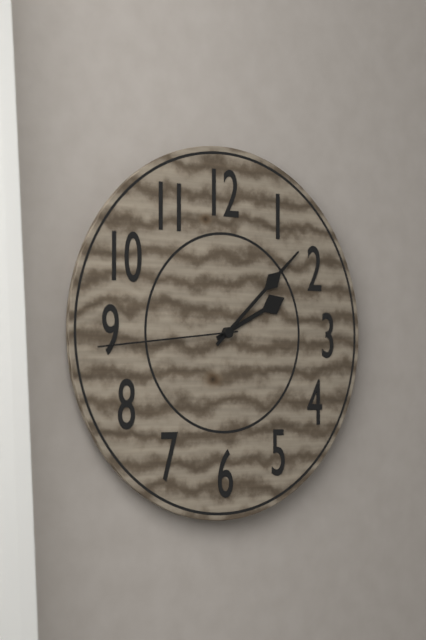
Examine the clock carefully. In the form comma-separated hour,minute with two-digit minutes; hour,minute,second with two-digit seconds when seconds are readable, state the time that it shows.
2,08,44
